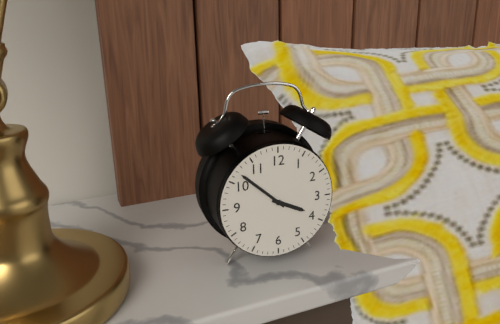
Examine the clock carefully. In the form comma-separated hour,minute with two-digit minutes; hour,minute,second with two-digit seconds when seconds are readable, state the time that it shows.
3,52
